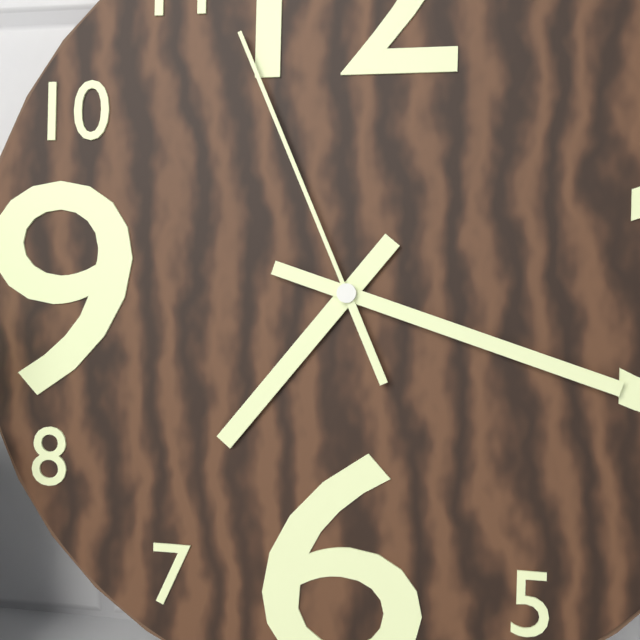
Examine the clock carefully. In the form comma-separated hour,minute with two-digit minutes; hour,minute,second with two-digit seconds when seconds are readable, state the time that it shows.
7,18,56
